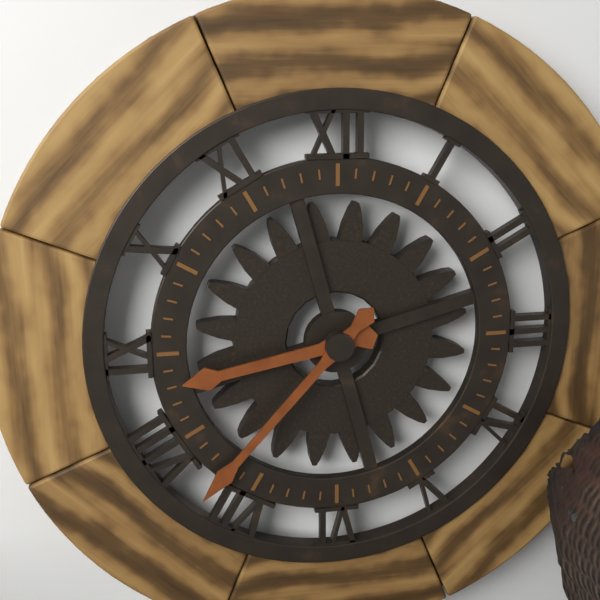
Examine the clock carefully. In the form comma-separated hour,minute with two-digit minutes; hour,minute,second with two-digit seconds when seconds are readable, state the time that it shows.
8,37
